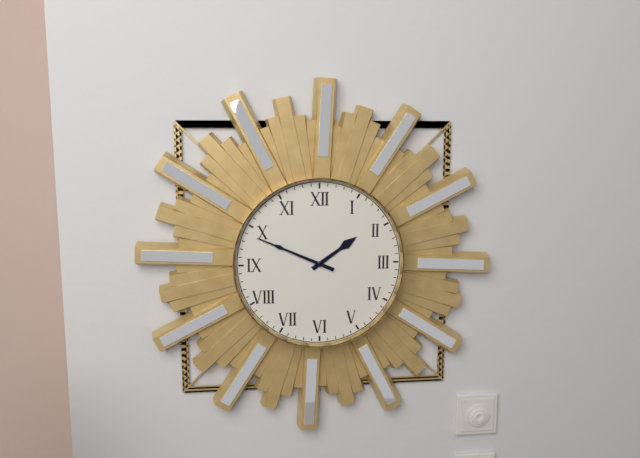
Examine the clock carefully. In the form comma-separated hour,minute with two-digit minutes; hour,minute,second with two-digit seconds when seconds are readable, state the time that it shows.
1,49
